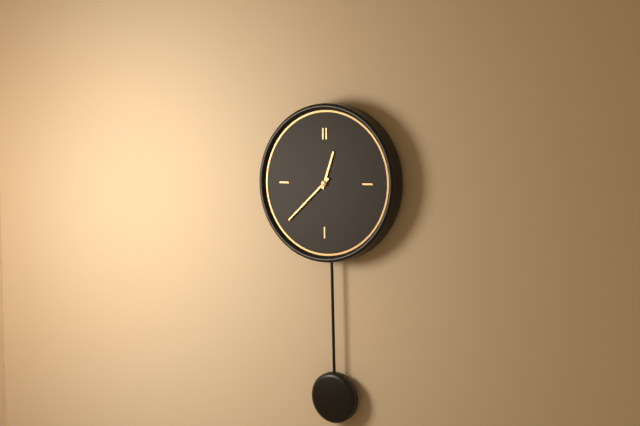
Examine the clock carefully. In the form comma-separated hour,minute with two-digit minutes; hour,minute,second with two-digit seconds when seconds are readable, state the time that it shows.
12,38
